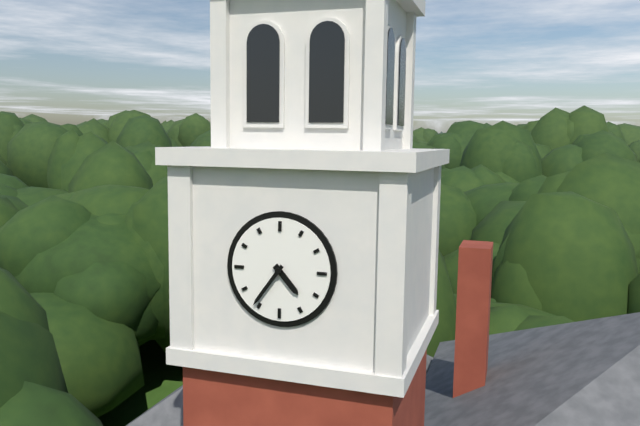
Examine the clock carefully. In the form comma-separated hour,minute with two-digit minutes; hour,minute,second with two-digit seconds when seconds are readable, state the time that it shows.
4,36
